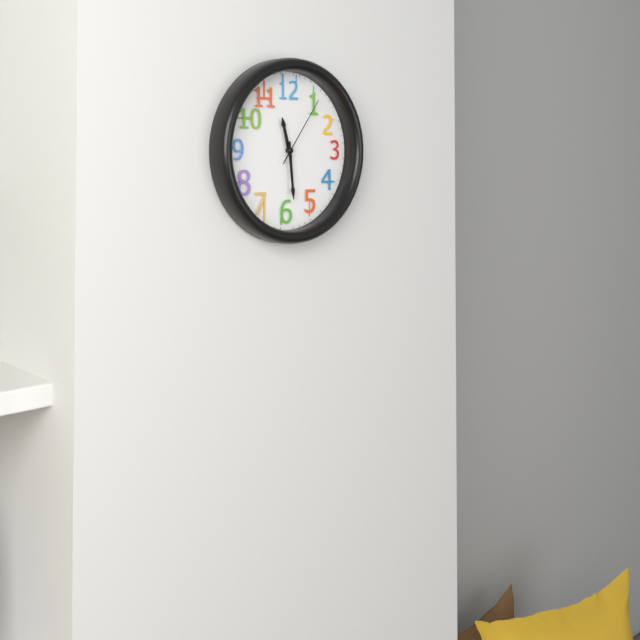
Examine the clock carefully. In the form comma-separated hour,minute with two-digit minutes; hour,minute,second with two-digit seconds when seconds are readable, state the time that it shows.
11,29,06
